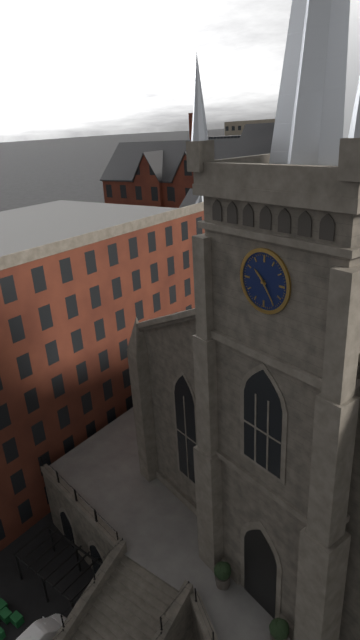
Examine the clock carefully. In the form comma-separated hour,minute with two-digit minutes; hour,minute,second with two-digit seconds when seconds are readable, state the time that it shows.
10,24
